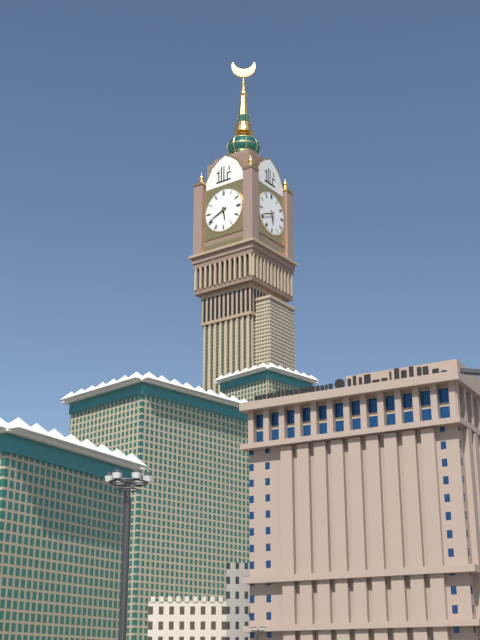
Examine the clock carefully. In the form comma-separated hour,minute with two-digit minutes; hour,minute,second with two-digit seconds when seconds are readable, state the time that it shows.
5,41
